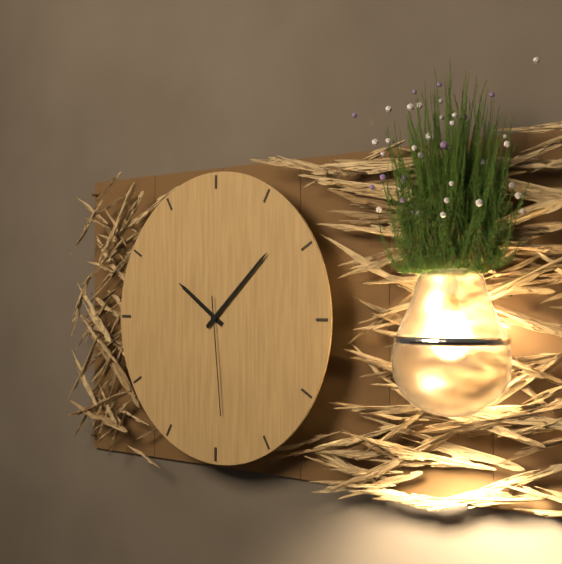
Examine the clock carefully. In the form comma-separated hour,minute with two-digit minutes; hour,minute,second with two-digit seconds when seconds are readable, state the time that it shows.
10,08,29
